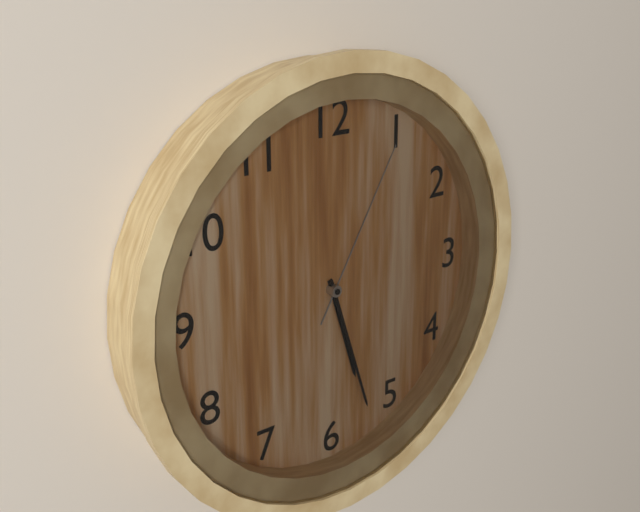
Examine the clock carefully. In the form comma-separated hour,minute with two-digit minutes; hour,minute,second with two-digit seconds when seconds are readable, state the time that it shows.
5,27,05
